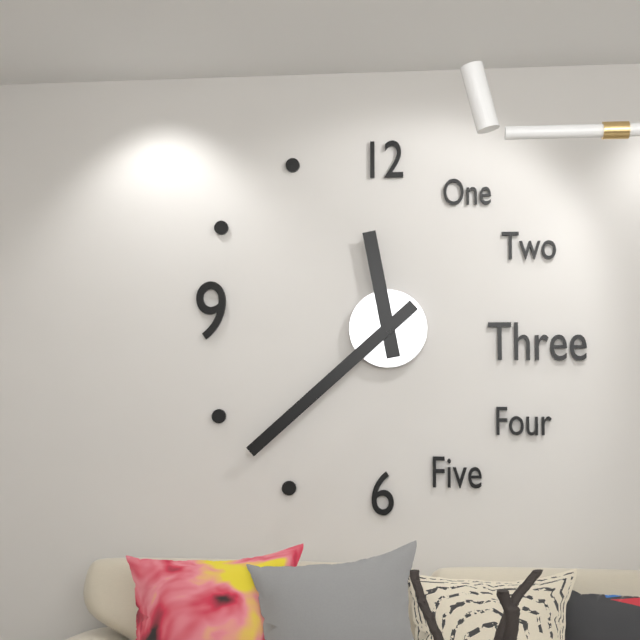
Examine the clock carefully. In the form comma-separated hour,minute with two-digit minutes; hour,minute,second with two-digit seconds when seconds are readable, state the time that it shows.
11,38
